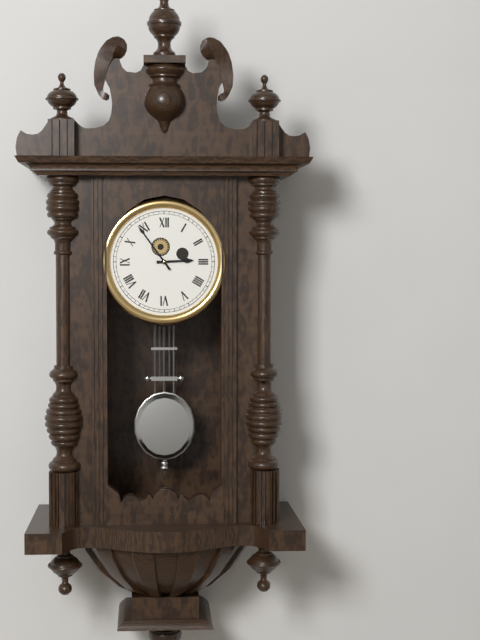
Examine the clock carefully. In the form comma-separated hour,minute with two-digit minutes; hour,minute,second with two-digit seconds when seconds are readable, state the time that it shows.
2,54
